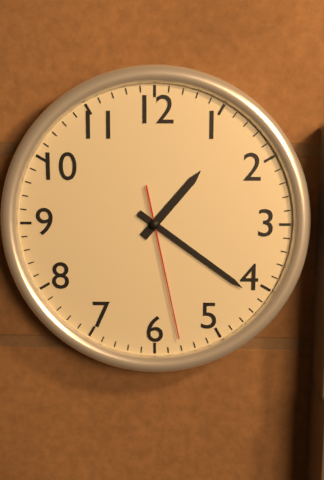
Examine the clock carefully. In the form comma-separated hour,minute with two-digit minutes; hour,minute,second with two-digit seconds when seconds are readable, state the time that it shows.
1,21,28
